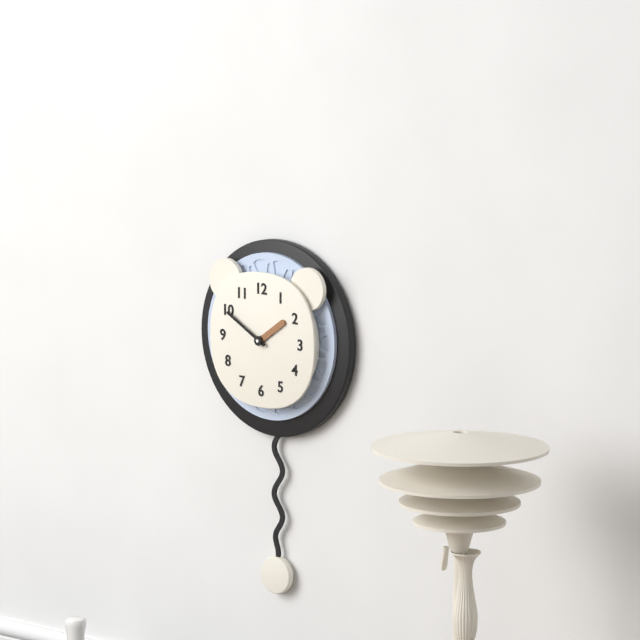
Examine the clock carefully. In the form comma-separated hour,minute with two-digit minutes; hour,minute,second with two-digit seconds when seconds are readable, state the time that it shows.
1,50
